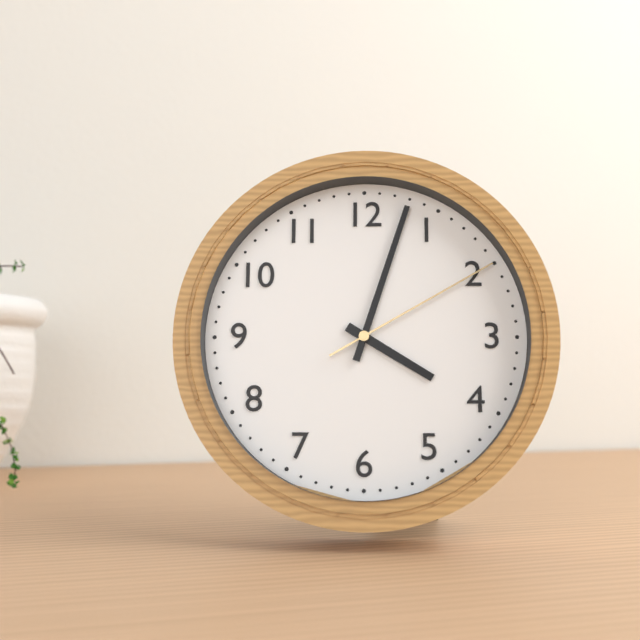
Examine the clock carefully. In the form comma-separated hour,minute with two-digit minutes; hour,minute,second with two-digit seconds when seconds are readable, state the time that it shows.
4,03,10
